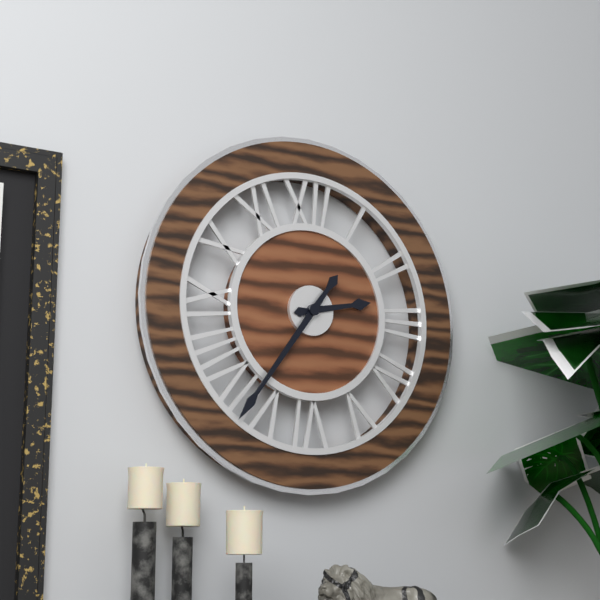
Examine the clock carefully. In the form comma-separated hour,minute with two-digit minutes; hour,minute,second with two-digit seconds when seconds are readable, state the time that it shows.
2,36
